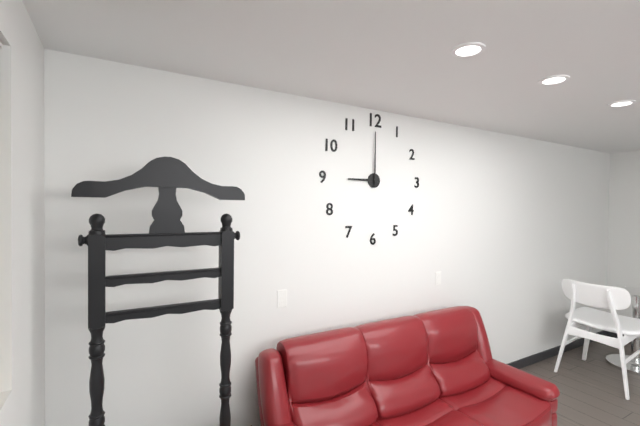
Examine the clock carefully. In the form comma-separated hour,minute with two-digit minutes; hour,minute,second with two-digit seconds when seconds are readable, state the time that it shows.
9,00
